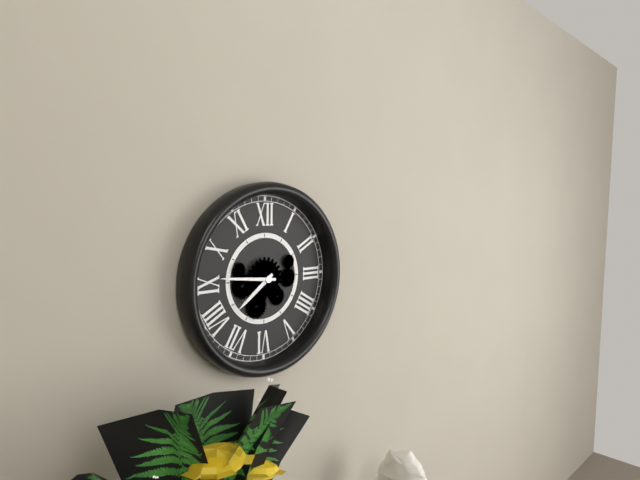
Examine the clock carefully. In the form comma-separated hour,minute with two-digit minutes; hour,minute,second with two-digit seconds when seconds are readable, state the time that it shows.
7,46
